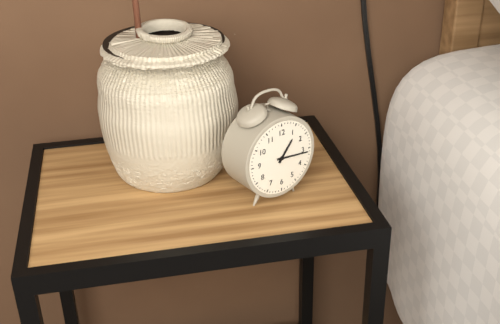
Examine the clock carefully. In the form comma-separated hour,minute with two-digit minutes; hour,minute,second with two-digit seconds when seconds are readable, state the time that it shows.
1,16
